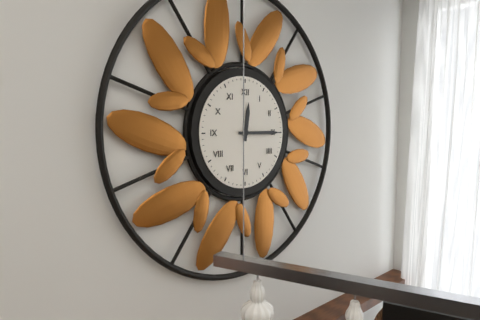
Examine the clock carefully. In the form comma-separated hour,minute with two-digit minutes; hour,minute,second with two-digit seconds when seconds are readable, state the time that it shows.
12,15
